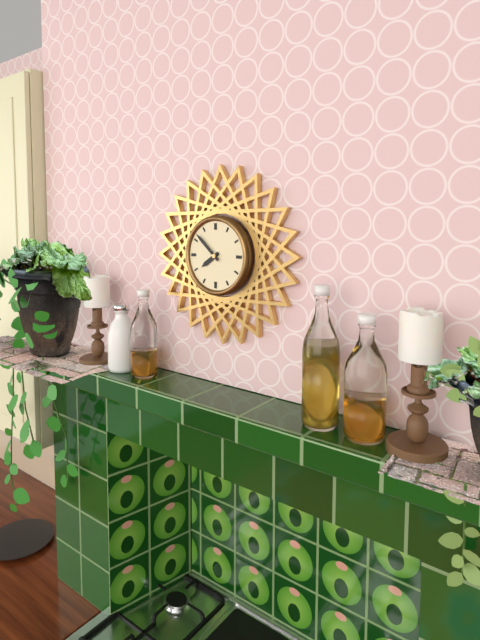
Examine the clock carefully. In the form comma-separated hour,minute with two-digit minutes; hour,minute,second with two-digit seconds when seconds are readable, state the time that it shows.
7,52
